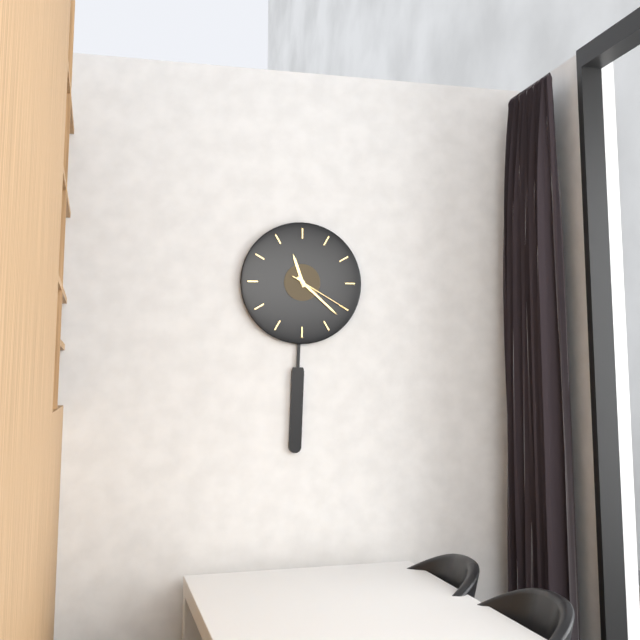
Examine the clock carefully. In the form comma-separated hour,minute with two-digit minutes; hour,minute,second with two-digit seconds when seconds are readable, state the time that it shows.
11,22,20
